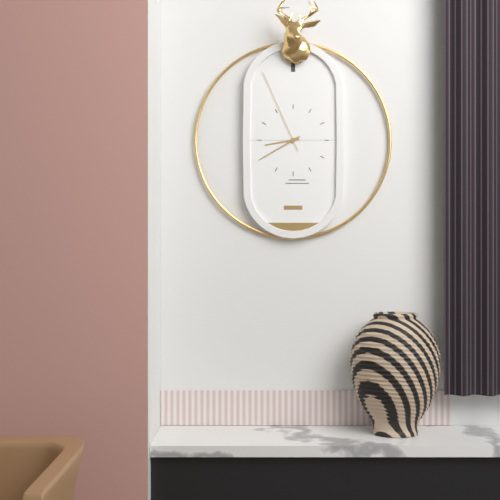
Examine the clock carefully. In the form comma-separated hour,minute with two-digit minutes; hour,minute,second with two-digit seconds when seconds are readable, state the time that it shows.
8,40,56
